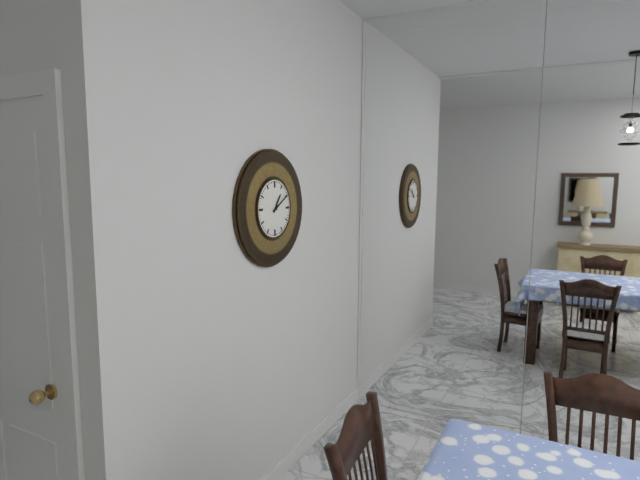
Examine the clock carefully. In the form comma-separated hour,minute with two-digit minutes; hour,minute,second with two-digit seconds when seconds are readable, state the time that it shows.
1,10
